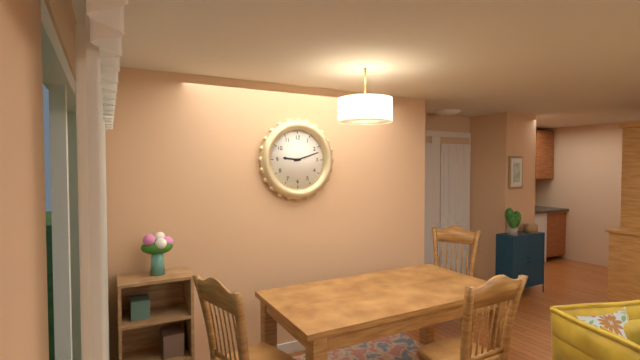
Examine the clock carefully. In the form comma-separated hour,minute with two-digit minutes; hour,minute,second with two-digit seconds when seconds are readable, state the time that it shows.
9,12
